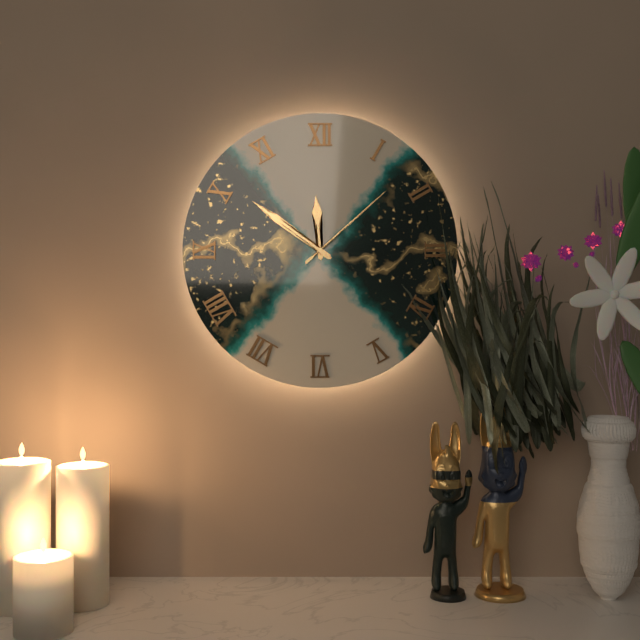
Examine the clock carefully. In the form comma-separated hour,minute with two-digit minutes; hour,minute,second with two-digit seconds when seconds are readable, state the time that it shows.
11,51,08
